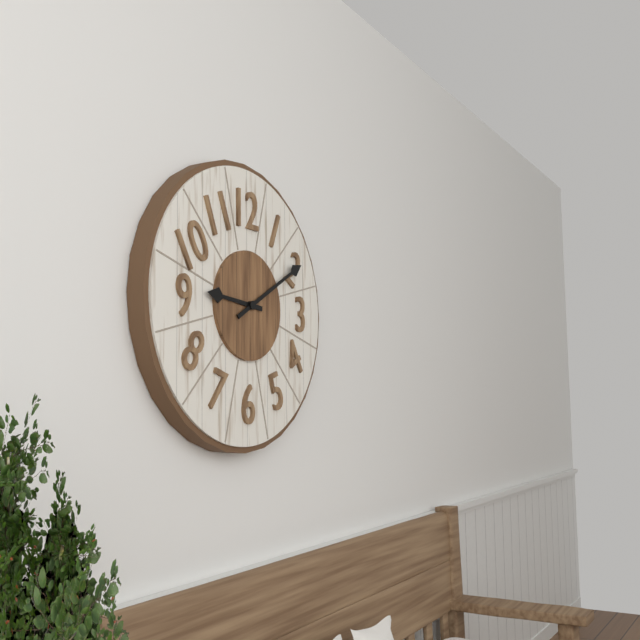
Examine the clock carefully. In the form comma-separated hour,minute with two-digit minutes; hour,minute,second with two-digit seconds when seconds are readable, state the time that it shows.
9,10
